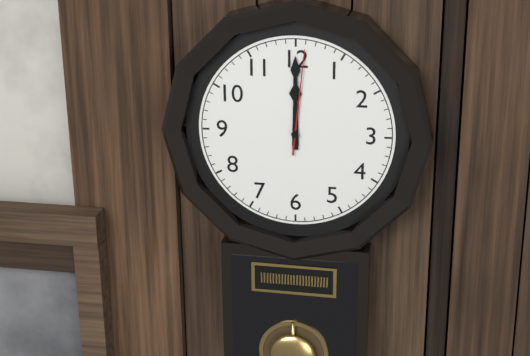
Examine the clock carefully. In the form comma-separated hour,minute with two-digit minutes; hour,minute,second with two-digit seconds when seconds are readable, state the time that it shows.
12,00,01
